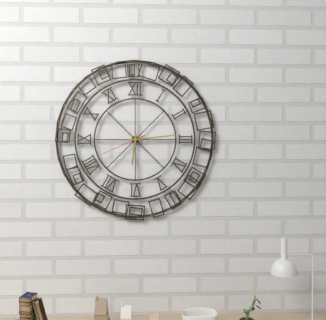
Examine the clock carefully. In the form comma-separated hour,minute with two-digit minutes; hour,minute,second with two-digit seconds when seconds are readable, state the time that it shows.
6,14
